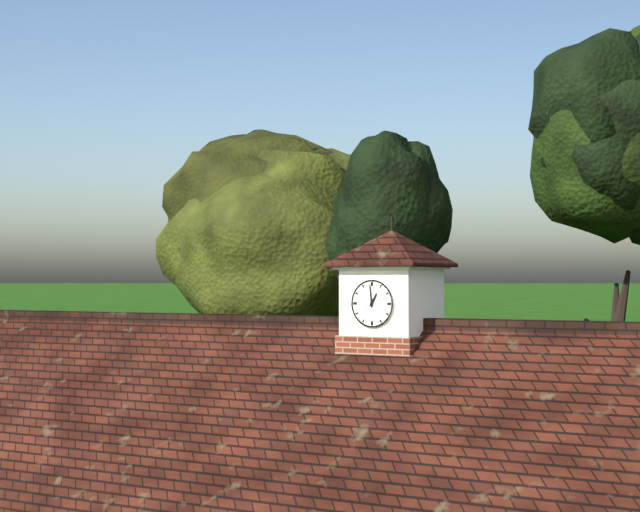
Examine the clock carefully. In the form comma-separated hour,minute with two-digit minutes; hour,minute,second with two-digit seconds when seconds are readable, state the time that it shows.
12,59
